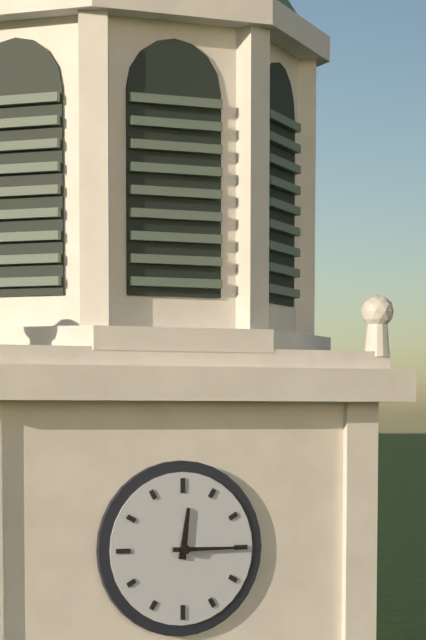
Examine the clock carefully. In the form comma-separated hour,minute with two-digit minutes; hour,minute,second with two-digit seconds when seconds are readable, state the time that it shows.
12,15
